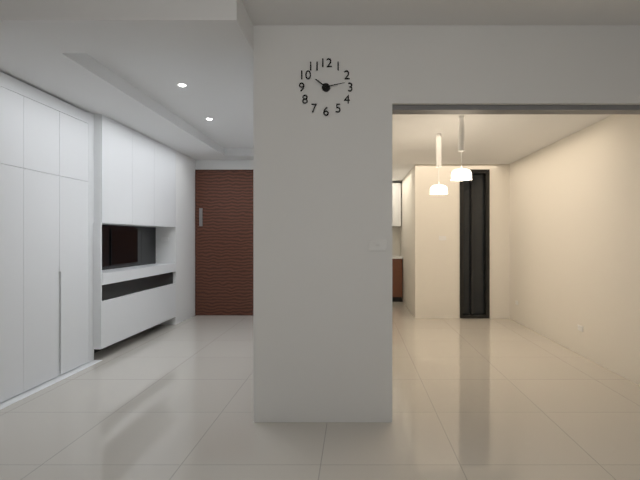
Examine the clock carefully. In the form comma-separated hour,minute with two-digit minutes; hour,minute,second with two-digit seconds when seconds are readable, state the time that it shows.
10,13
